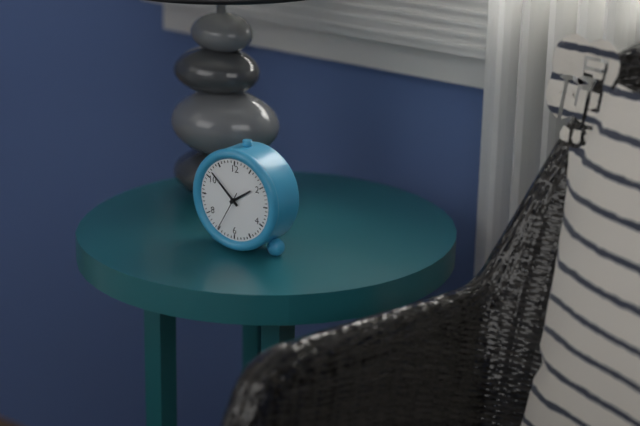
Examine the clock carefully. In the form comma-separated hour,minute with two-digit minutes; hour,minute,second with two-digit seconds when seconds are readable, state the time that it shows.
1,52
